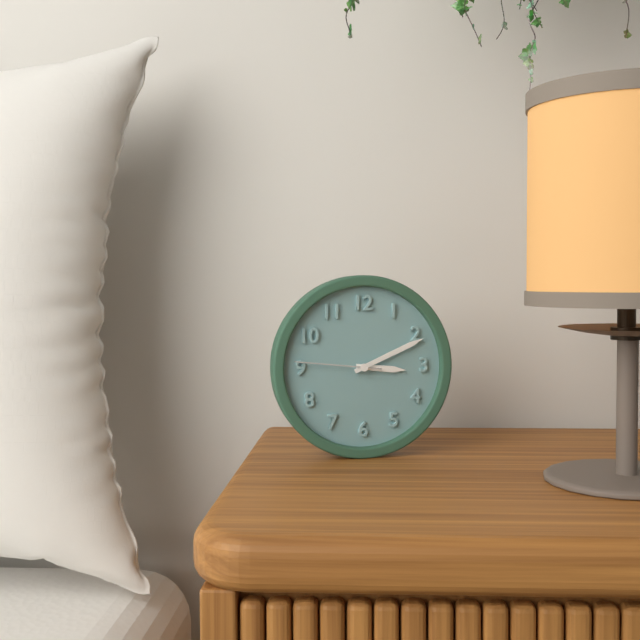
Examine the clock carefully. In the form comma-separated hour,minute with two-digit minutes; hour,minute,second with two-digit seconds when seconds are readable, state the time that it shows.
3,11,46
